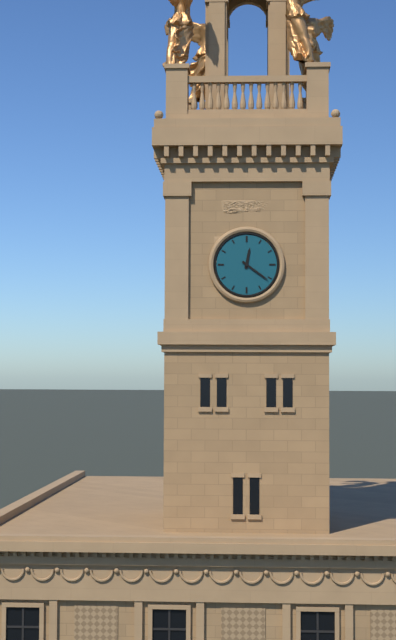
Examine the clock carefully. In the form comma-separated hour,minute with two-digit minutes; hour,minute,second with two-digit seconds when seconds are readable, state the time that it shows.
12,21
